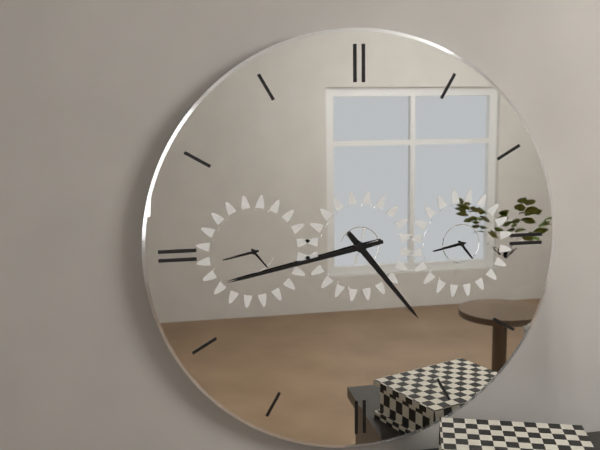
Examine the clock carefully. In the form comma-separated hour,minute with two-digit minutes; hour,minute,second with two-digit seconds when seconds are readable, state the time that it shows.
4,43
